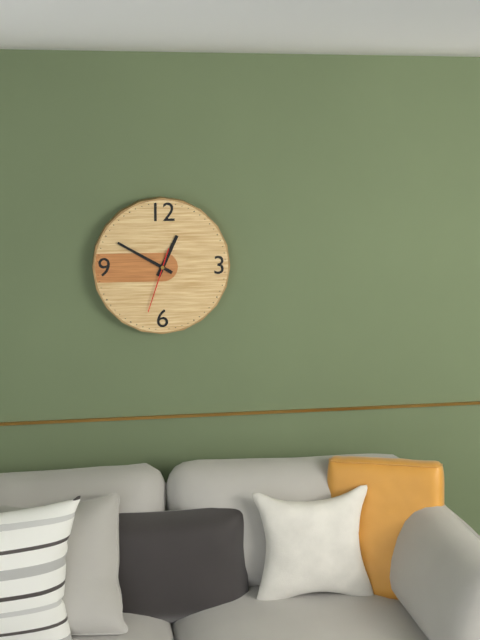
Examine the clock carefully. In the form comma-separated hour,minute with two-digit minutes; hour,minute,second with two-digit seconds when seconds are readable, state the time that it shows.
12,50,33
